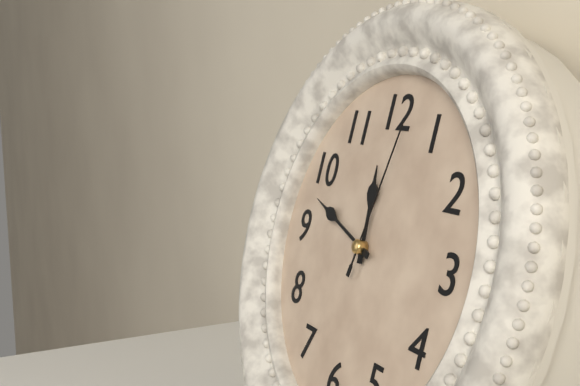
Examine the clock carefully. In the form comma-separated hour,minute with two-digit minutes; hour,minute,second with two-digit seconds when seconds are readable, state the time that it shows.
11,48,02
